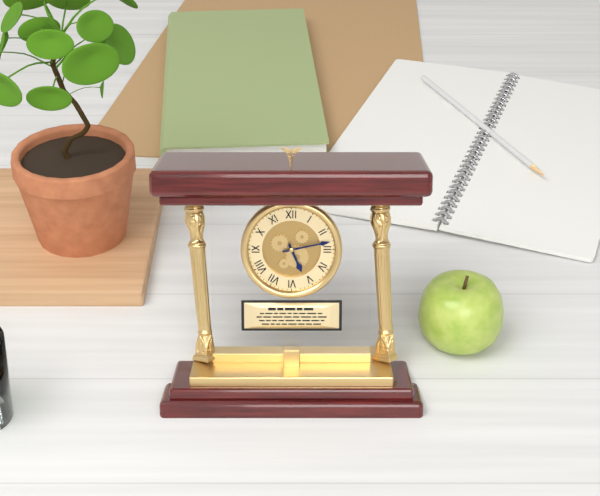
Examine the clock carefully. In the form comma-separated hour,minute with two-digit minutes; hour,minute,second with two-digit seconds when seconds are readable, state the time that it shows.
5,13
